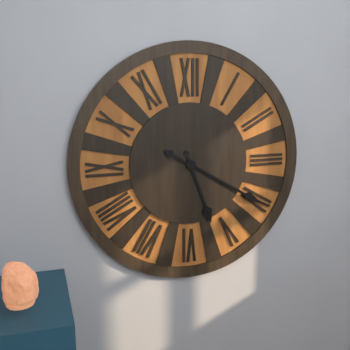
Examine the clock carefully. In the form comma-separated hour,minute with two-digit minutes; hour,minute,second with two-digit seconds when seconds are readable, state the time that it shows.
5,20
